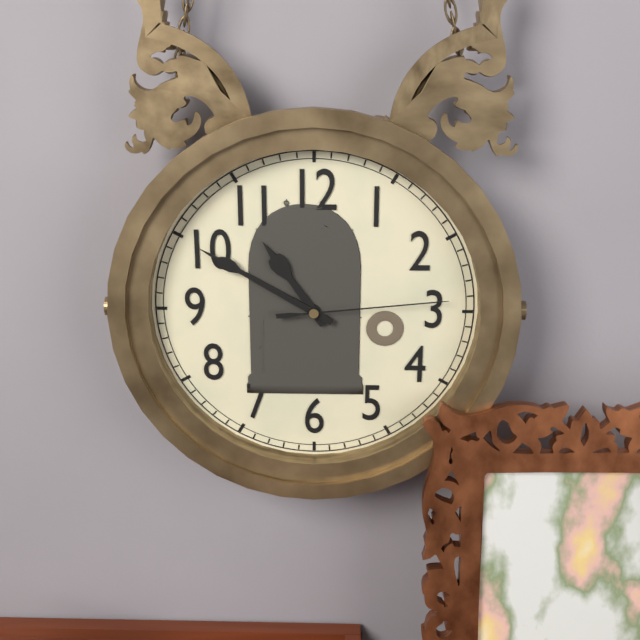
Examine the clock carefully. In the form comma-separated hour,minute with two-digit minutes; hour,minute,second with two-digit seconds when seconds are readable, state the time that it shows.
10,50,14
